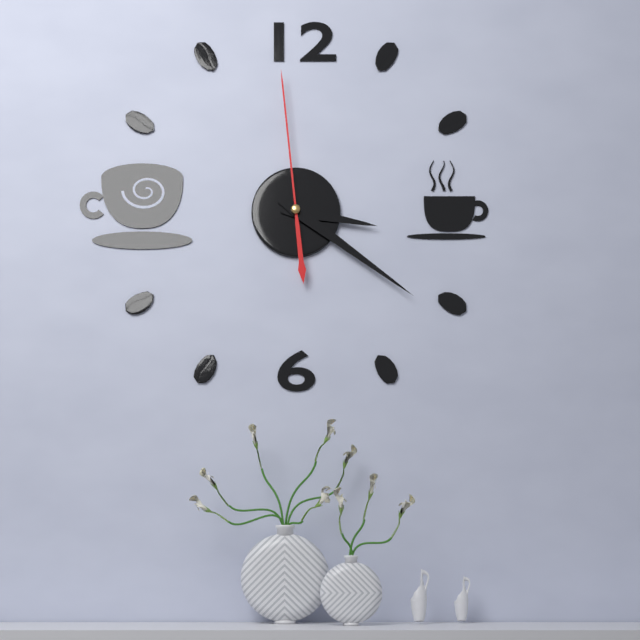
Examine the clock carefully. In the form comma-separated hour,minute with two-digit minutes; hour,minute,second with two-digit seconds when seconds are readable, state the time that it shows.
3,21,59
